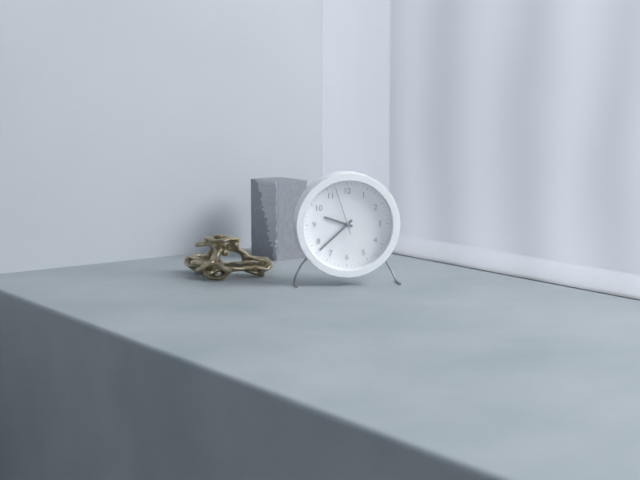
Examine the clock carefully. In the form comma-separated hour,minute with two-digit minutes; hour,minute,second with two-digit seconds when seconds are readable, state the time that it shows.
9,38
